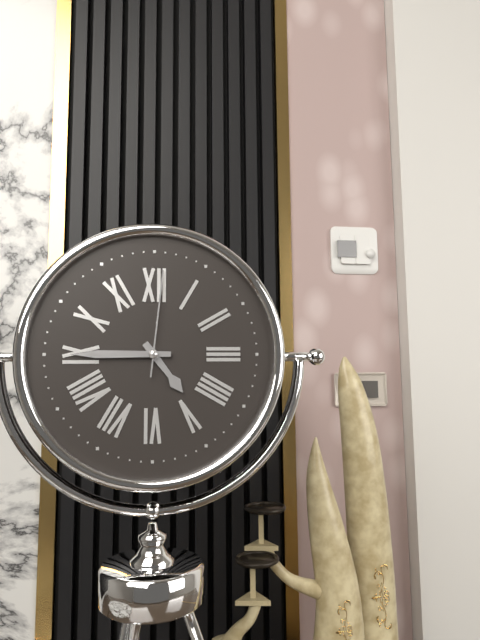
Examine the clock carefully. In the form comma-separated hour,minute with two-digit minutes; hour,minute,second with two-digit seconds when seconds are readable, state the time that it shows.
4,45,01
